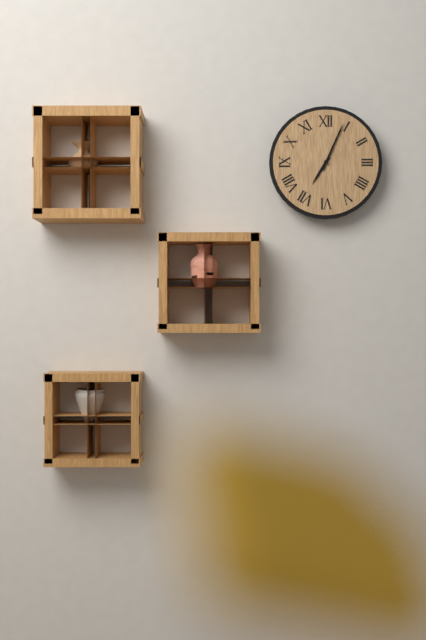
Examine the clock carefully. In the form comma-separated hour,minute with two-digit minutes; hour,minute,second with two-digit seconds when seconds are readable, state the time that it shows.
7,04
